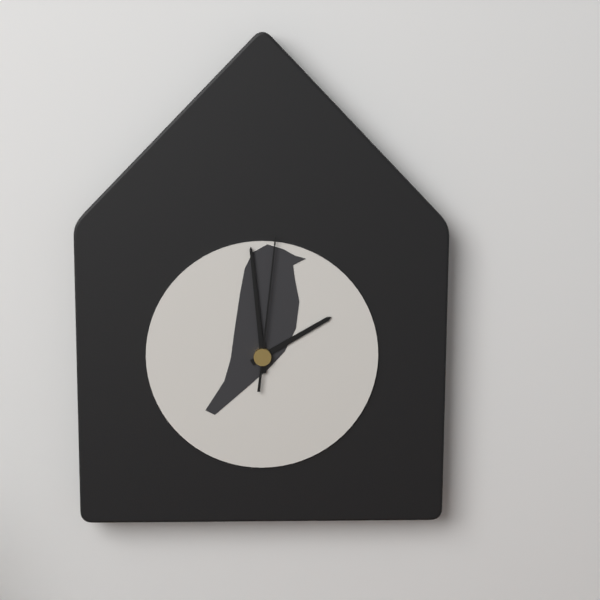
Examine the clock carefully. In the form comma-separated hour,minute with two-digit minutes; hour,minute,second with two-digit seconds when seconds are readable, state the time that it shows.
1,59,01
